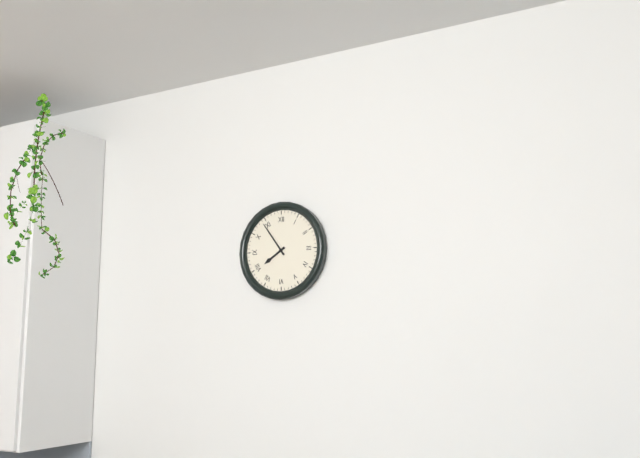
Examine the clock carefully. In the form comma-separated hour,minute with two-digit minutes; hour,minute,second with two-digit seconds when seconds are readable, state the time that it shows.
7,54
